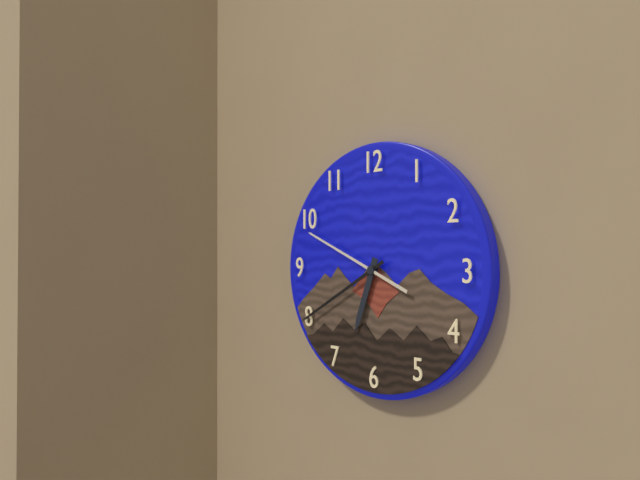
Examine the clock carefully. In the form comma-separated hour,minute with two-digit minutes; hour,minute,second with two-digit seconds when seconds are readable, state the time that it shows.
6,40,49
